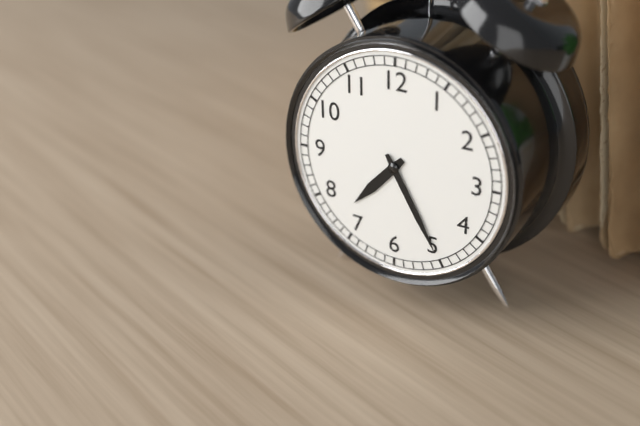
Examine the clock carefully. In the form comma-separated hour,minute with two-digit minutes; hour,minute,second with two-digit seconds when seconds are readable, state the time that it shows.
7,25
